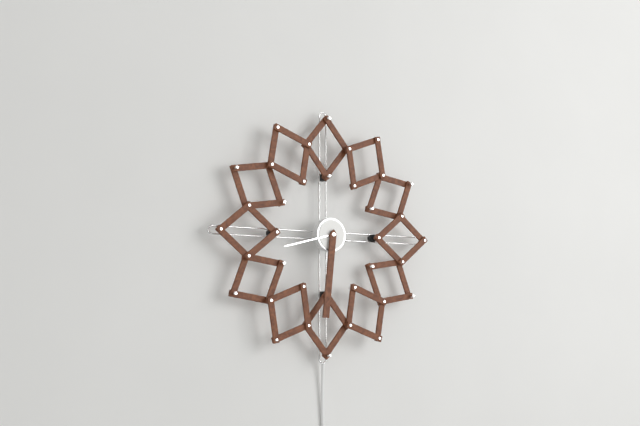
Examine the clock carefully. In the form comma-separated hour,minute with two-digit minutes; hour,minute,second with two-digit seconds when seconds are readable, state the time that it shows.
8,31
